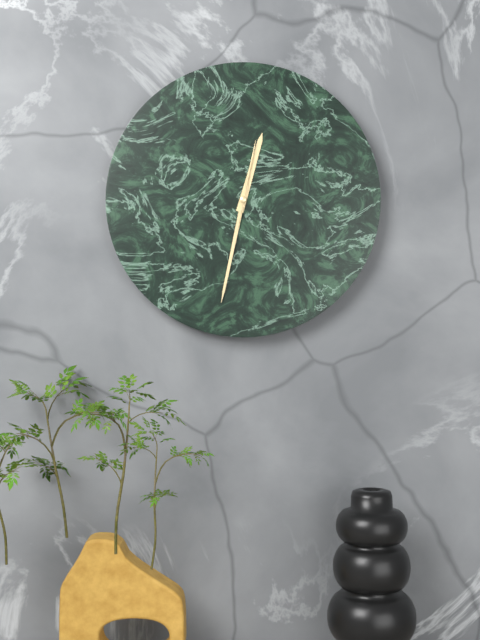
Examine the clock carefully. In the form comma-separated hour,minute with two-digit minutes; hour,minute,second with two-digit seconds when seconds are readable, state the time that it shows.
12,32,02
